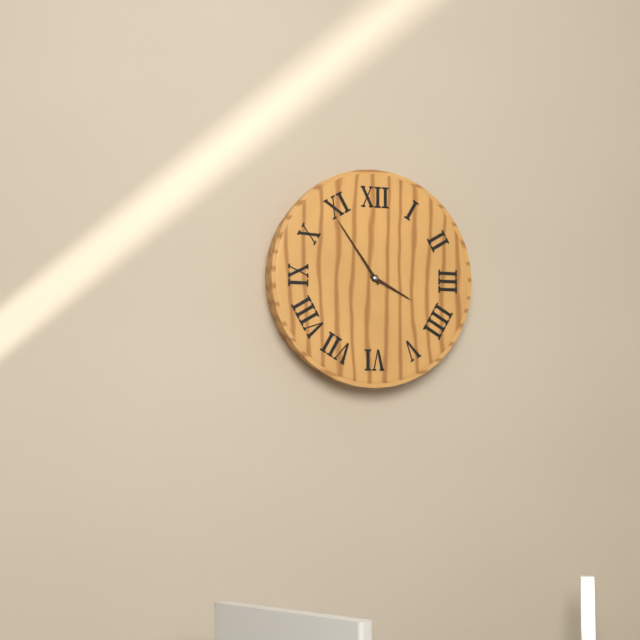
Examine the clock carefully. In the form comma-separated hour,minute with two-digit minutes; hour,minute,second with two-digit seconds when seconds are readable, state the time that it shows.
3,54
